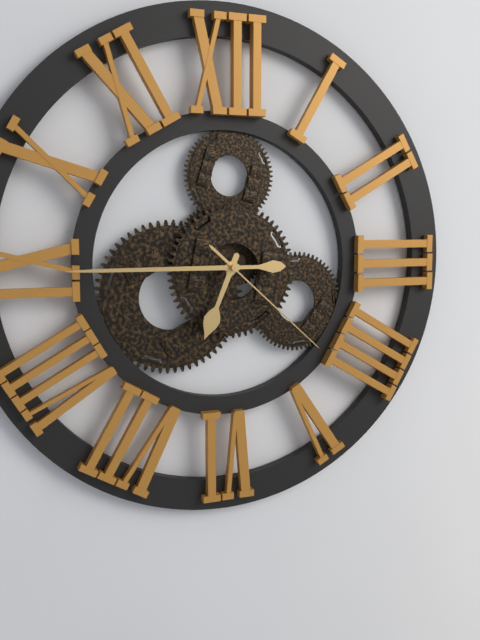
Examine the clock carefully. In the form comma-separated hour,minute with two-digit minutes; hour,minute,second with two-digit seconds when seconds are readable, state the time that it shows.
6,45,22
